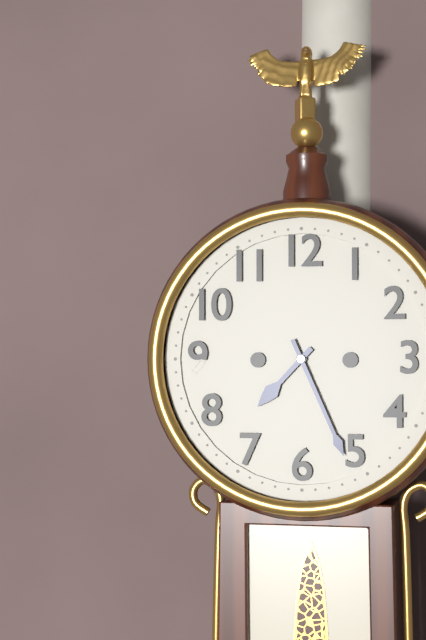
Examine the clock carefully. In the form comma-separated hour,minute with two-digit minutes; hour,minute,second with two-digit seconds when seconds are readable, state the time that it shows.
7,26
